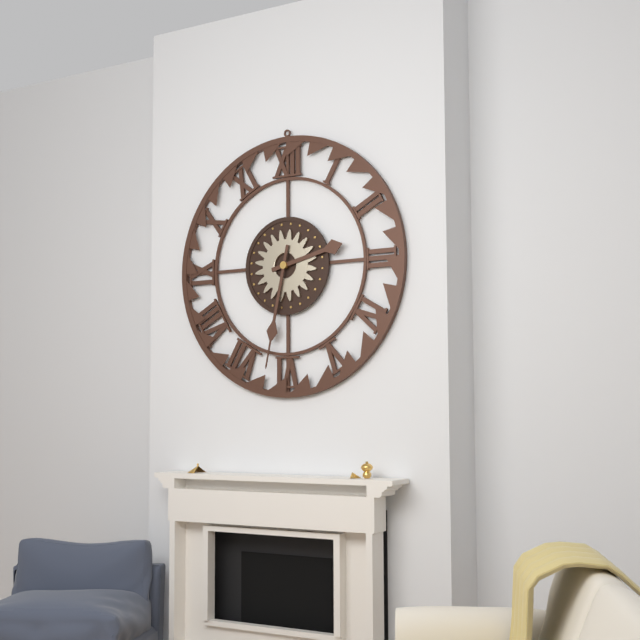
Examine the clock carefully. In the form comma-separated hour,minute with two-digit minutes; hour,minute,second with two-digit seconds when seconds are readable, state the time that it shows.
2,32
